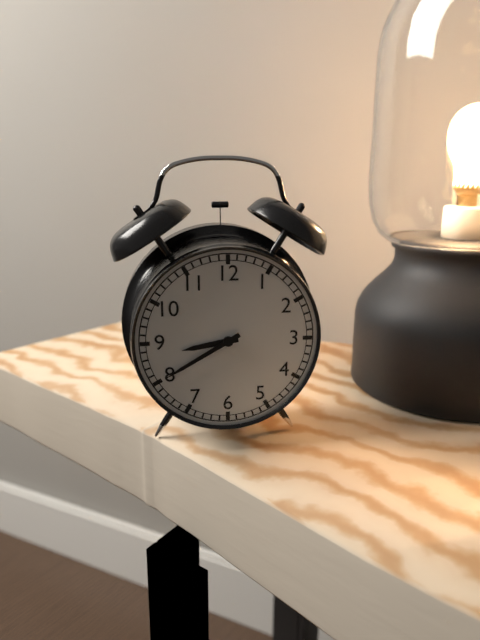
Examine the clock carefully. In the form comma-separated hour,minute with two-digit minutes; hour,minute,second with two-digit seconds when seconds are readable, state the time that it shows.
8,40
